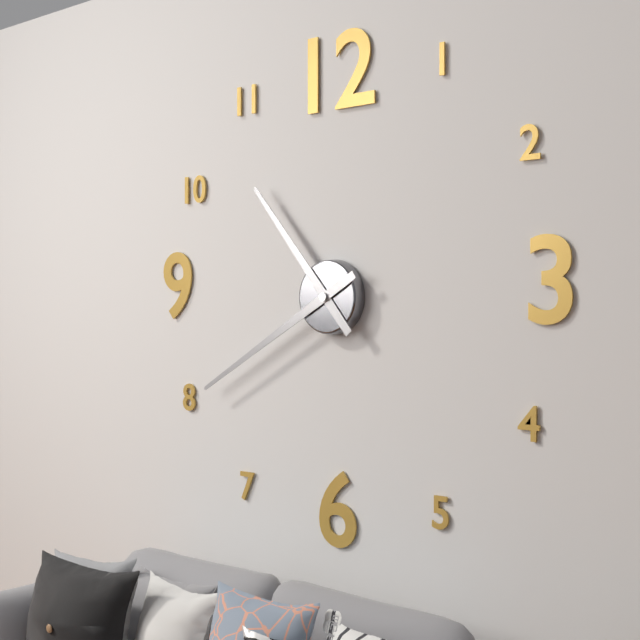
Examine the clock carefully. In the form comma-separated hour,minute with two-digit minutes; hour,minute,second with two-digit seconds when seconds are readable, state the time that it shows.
10,40
